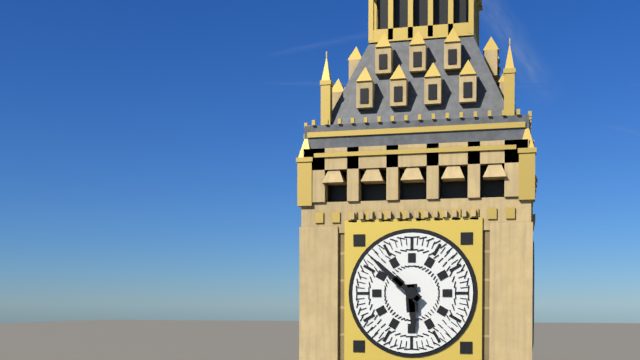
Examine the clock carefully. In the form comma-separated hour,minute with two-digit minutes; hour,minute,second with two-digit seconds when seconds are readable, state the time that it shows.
5,52
